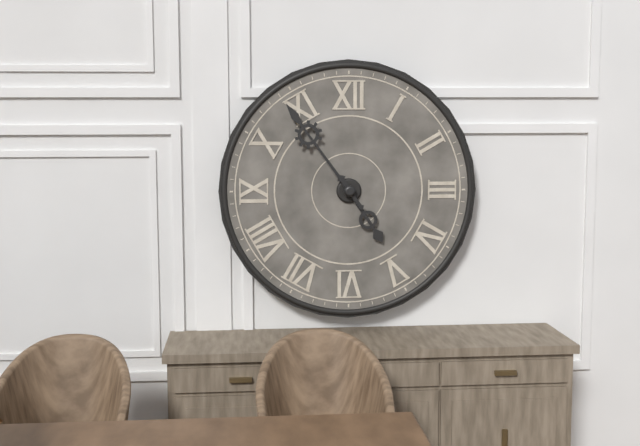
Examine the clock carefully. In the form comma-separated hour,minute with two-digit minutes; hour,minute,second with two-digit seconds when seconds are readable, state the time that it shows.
4,54
